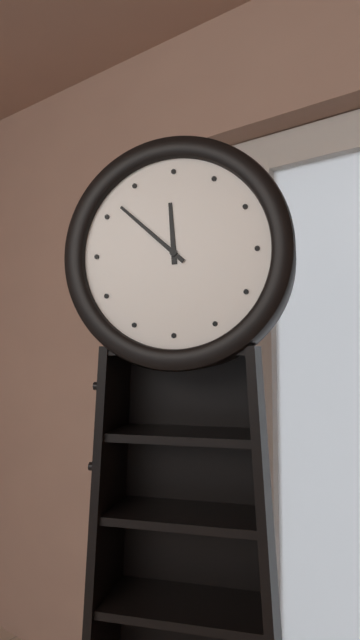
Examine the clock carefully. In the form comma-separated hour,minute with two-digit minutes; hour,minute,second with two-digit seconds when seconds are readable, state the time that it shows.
11,52
